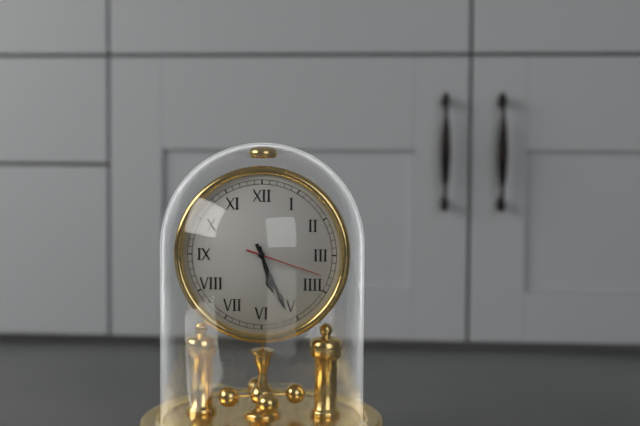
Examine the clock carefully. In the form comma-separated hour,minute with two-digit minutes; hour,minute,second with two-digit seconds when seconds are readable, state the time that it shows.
5,26,18
